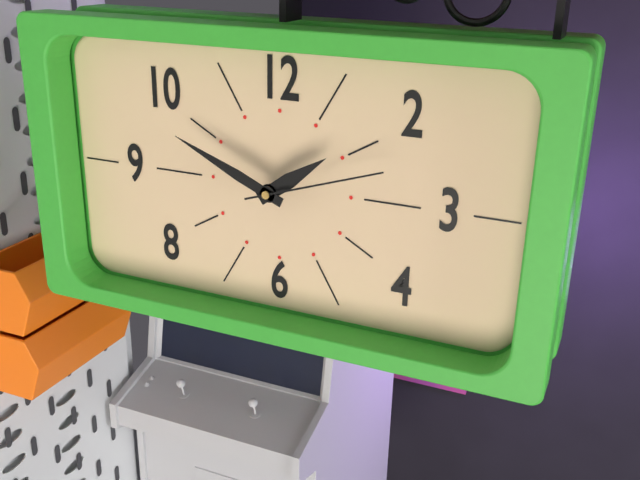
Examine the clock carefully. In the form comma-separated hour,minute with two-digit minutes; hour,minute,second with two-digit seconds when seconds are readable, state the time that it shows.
1,49,12
